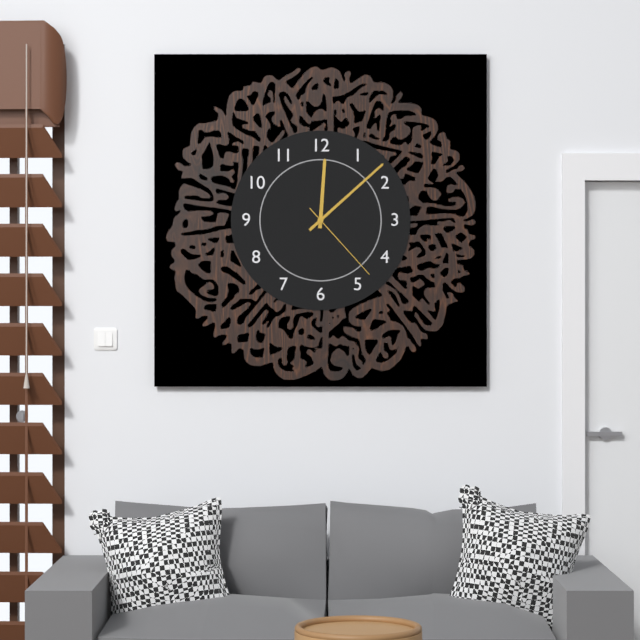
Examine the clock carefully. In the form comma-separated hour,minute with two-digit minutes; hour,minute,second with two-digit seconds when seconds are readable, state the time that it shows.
12,08,23
